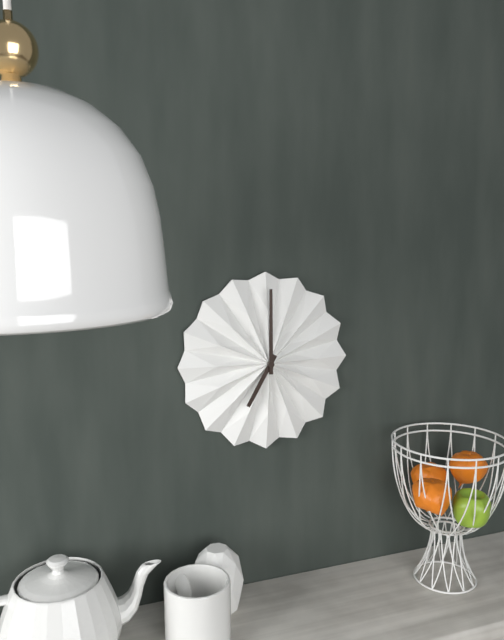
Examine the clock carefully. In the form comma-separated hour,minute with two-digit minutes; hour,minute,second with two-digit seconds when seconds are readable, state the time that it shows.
7,00
